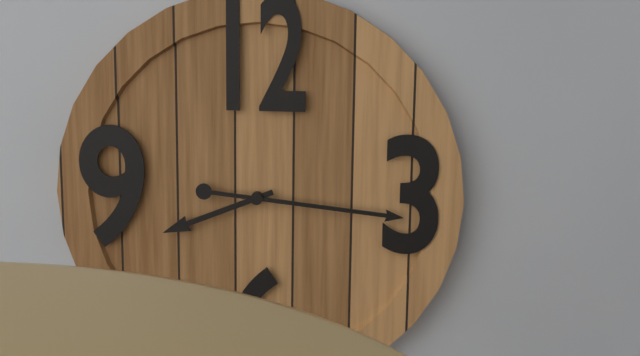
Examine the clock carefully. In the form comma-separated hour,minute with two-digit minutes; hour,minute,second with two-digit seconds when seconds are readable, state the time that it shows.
8,16
